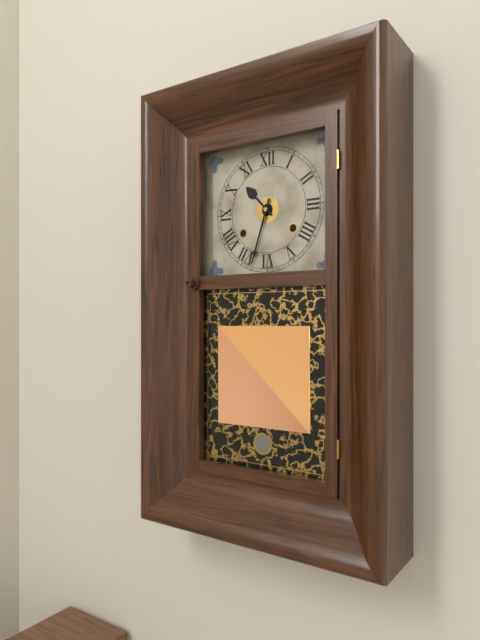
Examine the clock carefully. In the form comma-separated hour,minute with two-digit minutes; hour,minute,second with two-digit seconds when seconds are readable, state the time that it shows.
10,33
